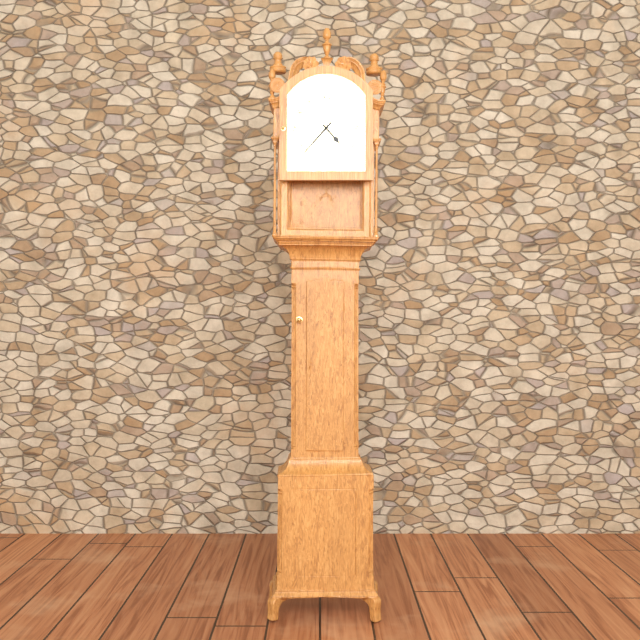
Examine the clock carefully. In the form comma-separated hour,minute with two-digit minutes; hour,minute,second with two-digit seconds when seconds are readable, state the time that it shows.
4,37
